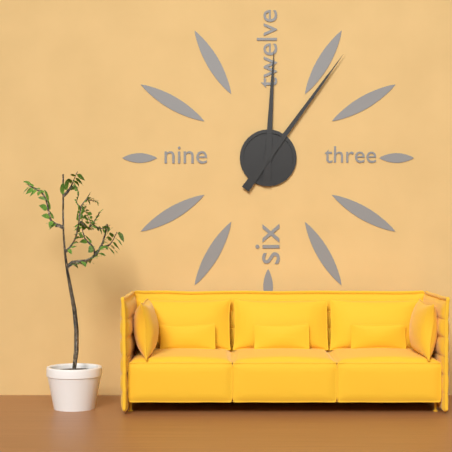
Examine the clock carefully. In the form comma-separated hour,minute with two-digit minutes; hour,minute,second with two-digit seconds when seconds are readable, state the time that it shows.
12,06
